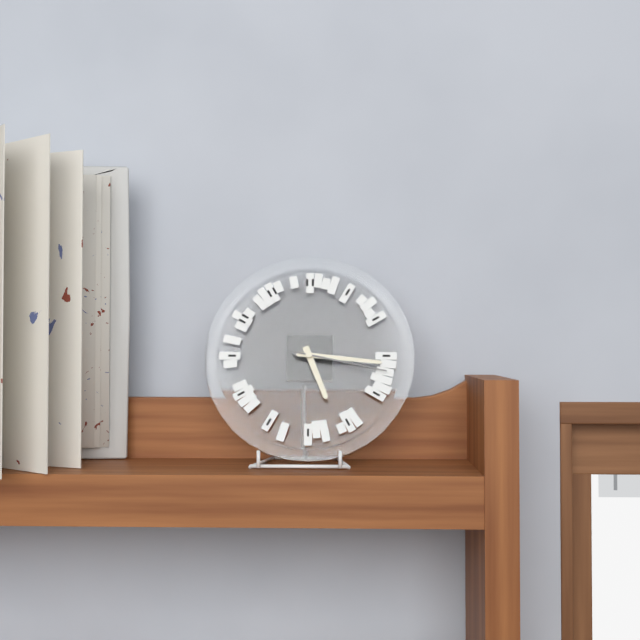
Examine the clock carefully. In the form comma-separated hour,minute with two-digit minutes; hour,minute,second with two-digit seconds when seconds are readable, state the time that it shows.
5,16,17
